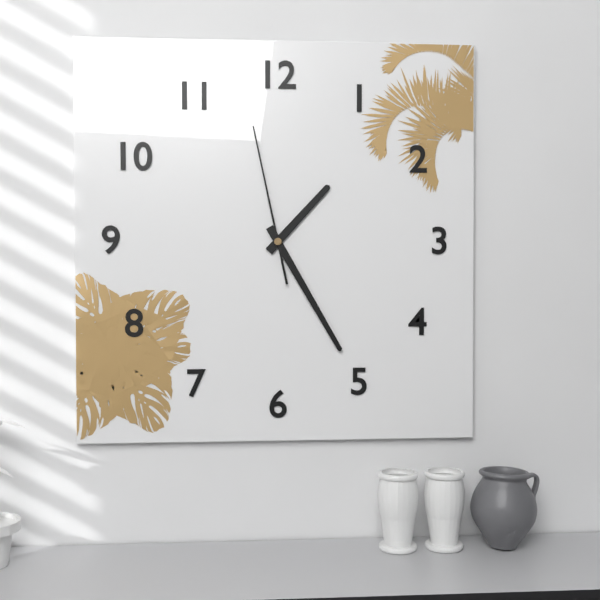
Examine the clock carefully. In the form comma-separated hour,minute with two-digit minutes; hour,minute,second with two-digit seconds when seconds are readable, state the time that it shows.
1,25,58
